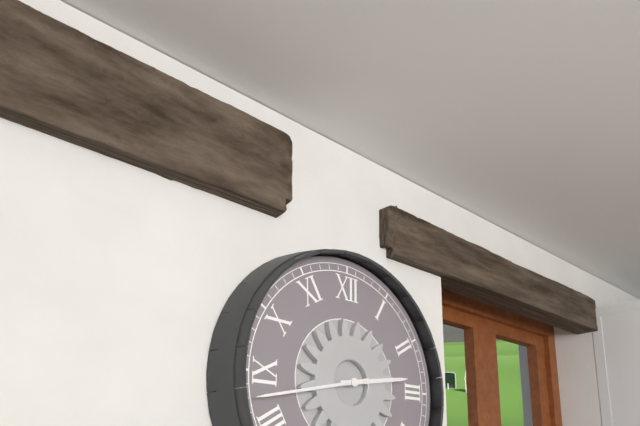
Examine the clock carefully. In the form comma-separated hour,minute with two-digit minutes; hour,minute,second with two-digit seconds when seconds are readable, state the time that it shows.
2,43
